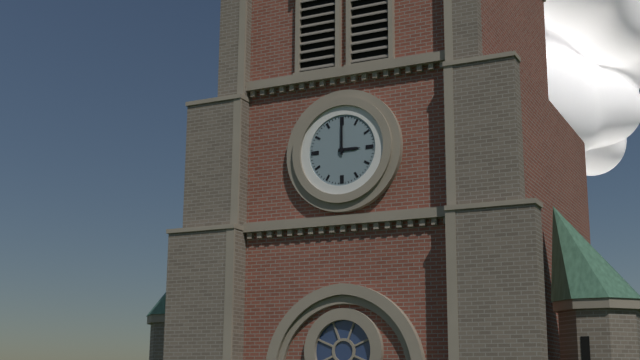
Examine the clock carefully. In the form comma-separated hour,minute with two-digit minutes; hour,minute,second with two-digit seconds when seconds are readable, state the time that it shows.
3,00
